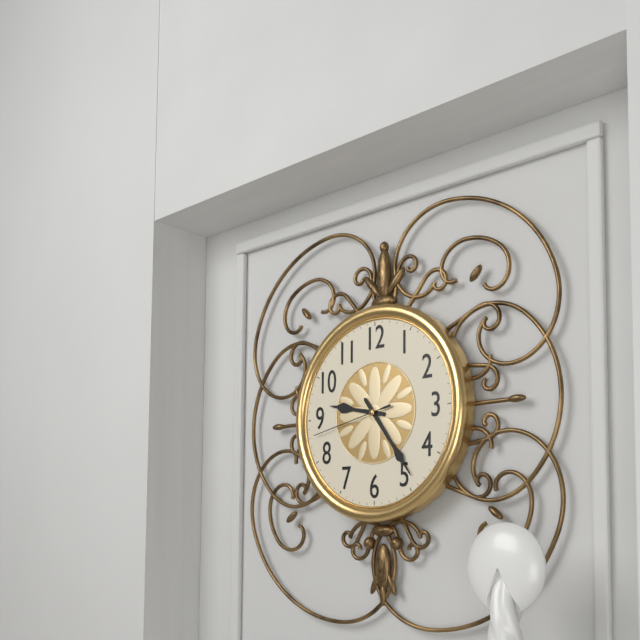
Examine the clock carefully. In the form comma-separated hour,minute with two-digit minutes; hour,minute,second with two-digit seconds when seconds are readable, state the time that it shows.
9,24,43
